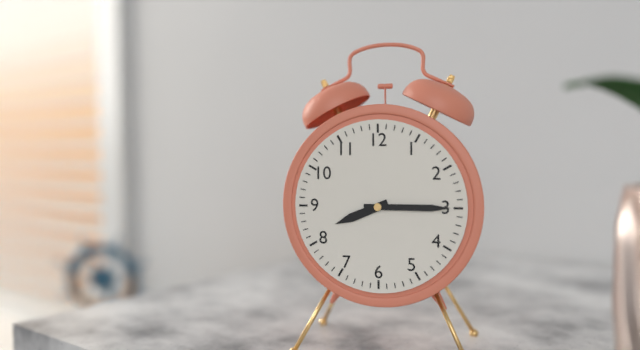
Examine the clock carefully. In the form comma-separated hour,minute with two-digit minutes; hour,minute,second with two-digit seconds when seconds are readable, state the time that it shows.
8,15
